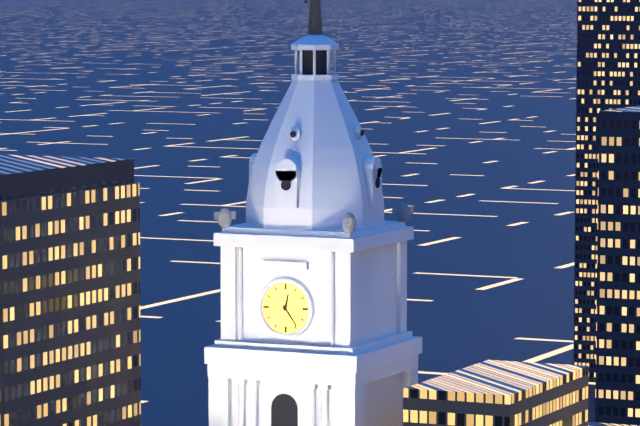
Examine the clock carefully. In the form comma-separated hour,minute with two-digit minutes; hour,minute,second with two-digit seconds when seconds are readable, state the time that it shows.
12,24
